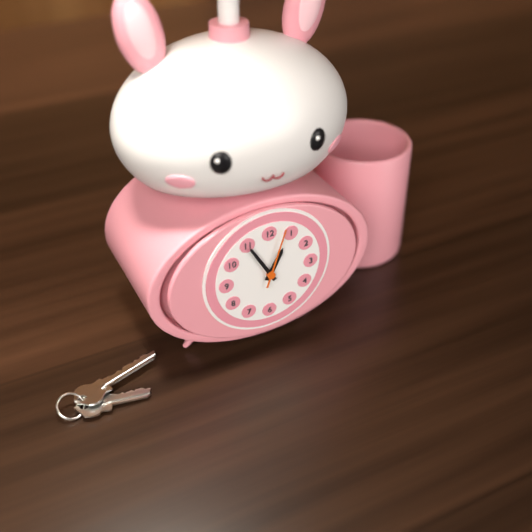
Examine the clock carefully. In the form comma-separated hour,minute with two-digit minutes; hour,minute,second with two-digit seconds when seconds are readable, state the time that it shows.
12,55,03
